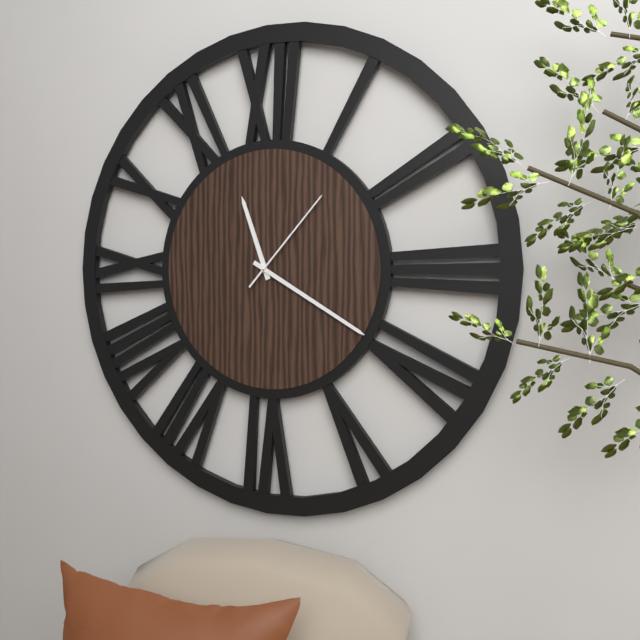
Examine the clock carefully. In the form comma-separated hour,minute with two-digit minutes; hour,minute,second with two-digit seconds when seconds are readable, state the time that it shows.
11,20,07
